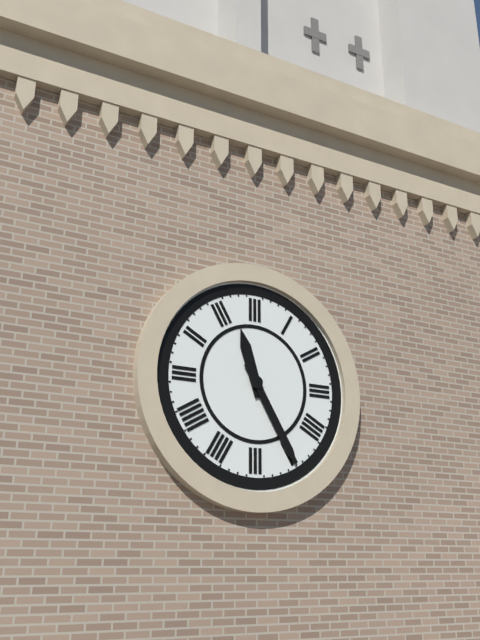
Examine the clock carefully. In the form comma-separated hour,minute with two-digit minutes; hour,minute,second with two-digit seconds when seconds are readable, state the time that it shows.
11,25
